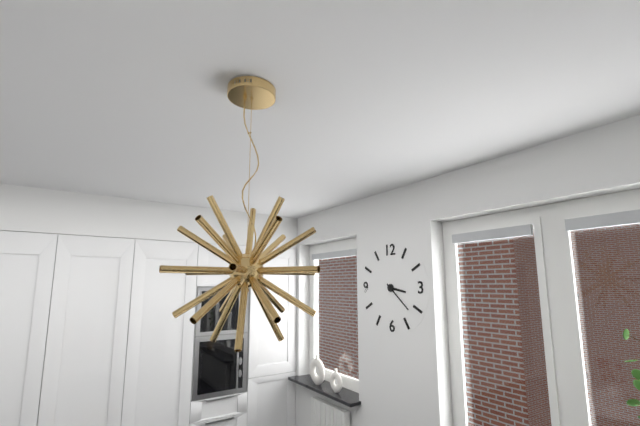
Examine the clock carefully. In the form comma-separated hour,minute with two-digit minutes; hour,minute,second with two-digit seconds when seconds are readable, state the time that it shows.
3,22
